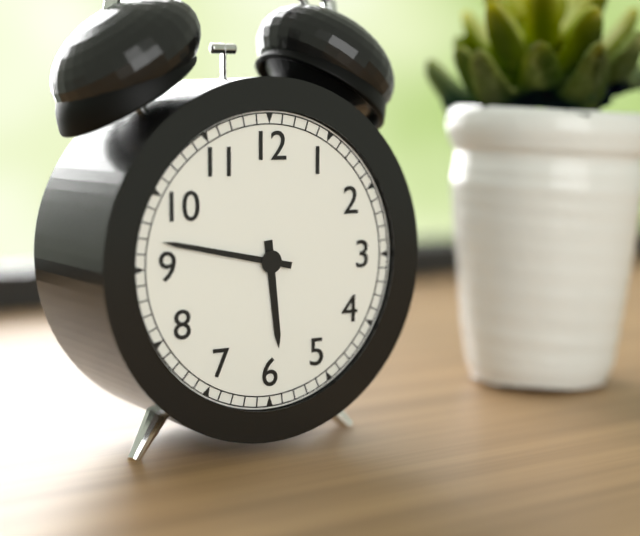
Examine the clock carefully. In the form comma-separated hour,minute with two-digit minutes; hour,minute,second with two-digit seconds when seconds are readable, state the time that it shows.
5,47
